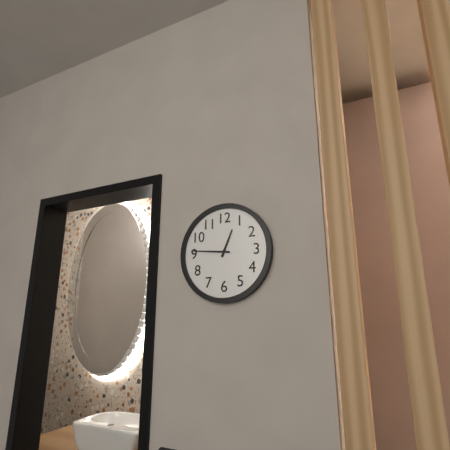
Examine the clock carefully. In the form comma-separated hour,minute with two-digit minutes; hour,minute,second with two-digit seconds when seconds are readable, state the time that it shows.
12,46
